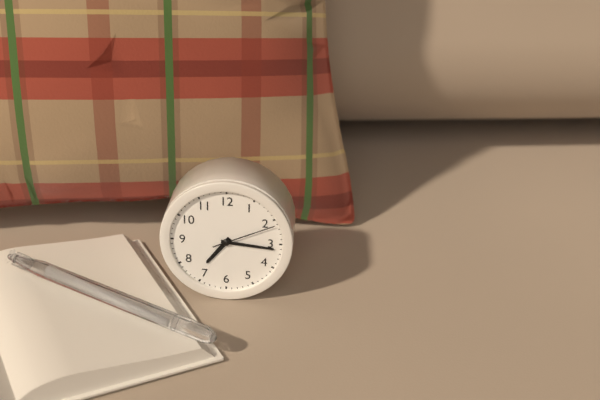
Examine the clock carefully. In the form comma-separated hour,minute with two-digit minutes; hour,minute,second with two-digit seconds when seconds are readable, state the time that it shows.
7,16,11
